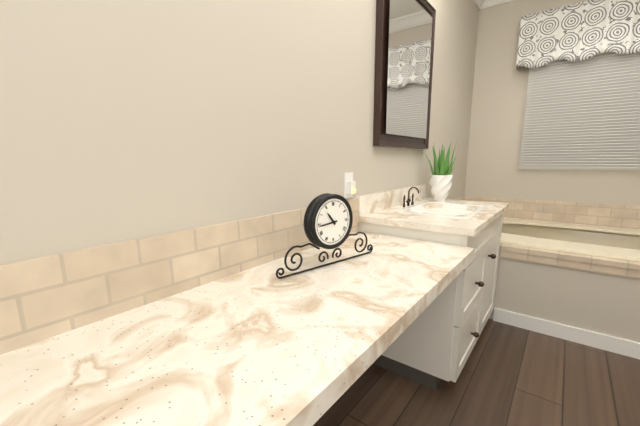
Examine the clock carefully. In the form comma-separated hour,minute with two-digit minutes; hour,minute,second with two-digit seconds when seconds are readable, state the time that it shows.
10,44
